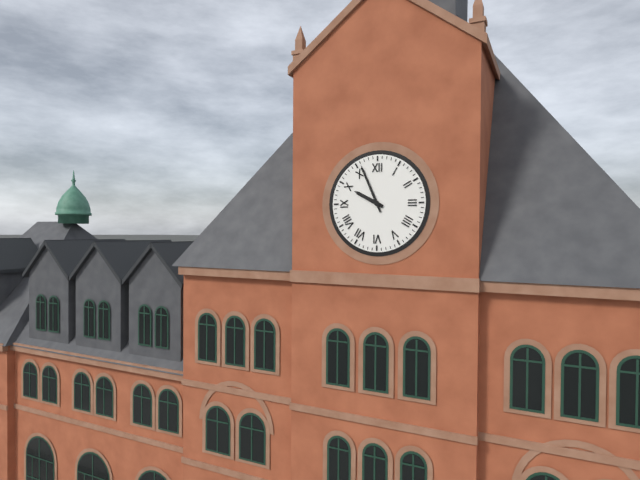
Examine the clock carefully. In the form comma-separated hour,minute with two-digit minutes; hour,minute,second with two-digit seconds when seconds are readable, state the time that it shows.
9,56
